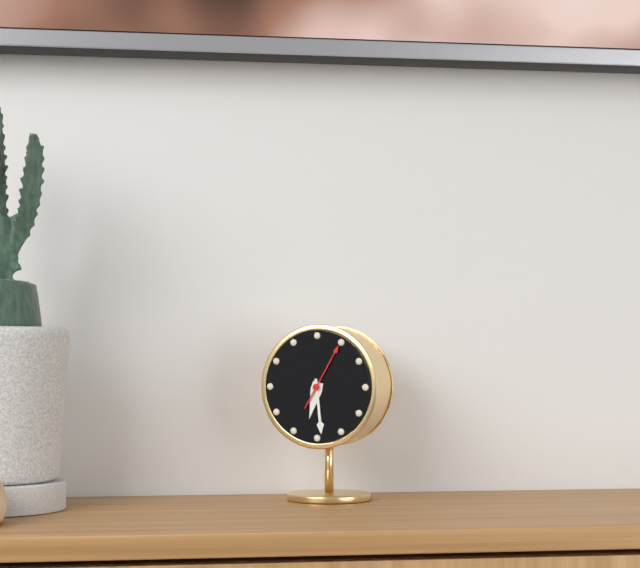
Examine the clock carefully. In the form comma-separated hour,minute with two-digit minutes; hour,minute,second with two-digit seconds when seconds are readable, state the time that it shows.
6,29,05
